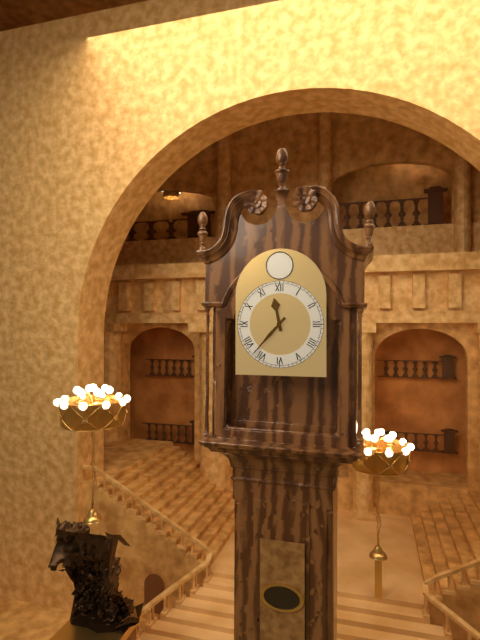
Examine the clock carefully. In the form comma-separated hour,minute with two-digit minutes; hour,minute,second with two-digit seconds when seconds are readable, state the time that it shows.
11,37
